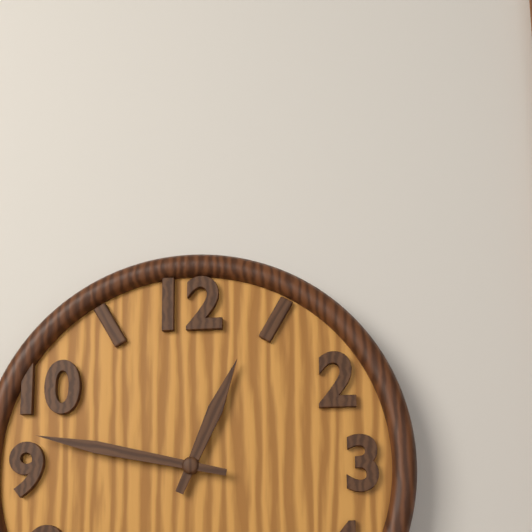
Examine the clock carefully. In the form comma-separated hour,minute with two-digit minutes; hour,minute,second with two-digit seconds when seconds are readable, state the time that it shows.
12,47
